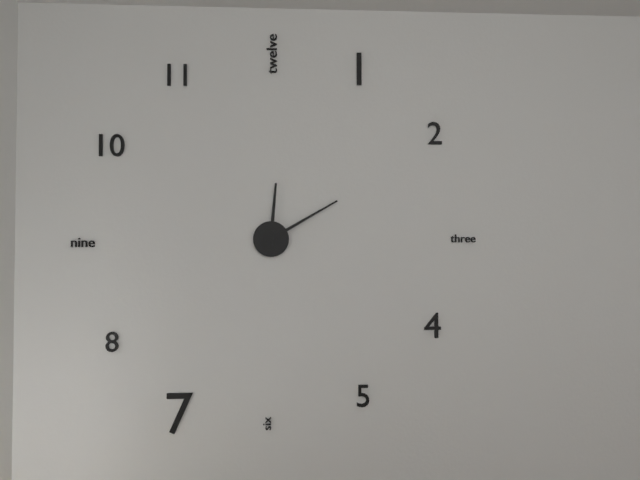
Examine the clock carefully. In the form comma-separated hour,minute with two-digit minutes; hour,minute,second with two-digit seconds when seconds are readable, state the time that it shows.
12,10
